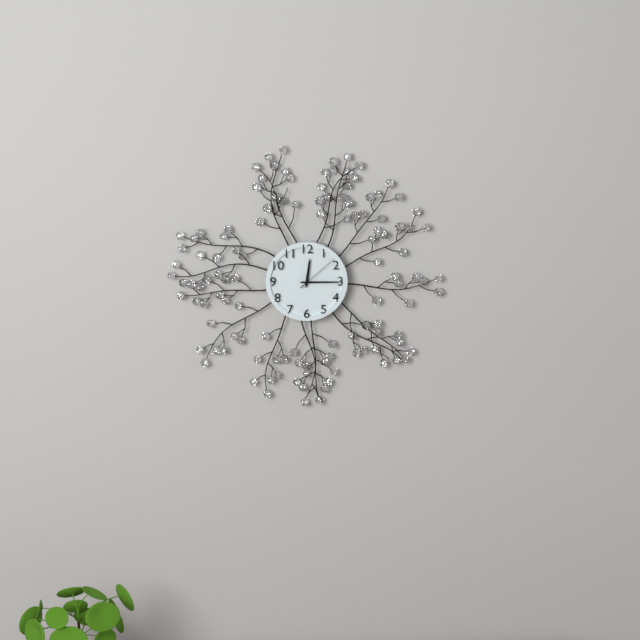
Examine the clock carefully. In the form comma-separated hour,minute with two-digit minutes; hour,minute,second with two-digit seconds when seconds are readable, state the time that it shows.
12,15
